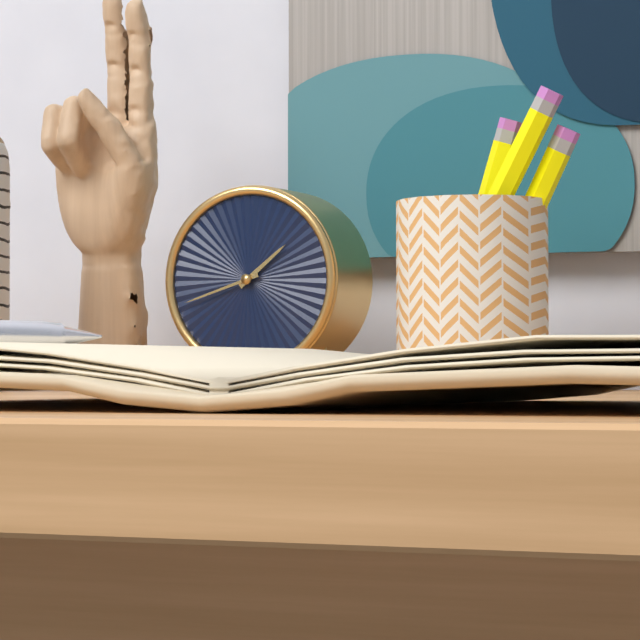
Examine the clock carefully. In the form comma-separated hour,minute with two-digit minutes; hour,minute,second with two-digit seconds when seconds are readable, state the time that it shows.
1,42
